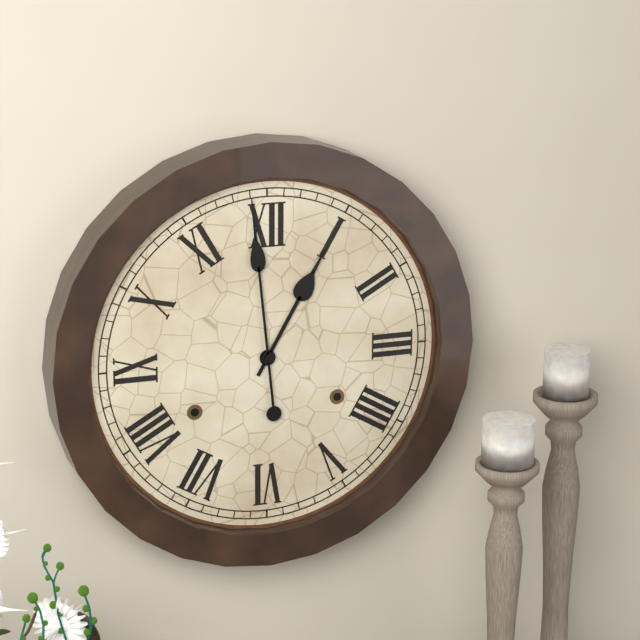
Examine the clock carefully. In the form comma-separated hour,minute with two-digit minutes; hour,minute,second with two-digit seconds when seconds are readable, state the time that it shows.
12,59
